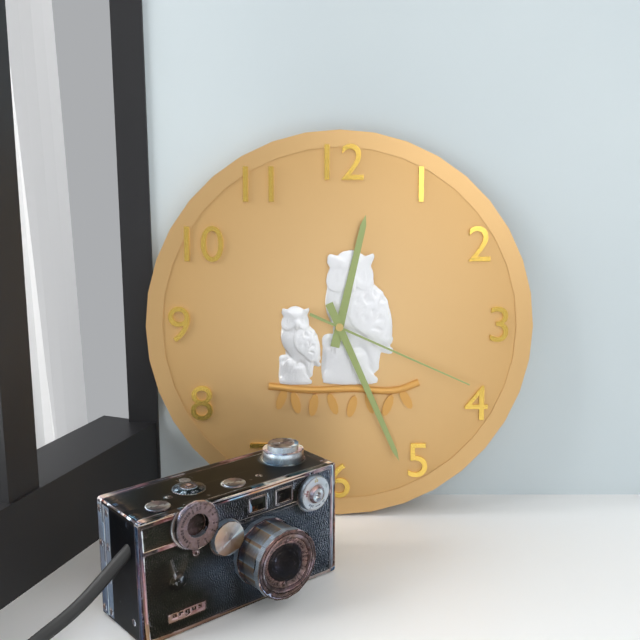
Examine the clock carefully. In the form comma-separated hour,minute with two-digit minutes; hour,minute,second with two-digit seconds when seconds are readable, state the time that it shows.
12,26,19
